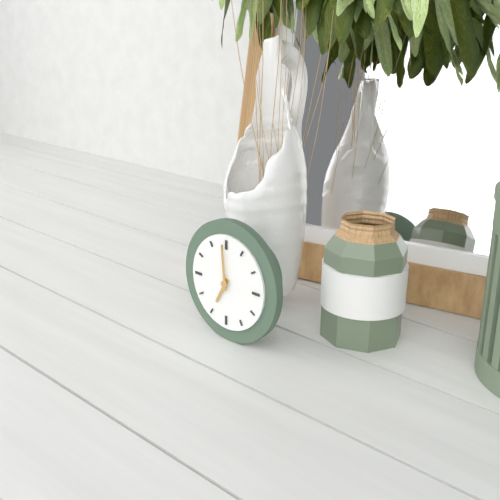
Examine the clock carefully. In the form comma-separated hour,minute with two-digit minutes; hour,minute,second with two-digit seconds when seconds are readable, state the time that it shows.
6,59
